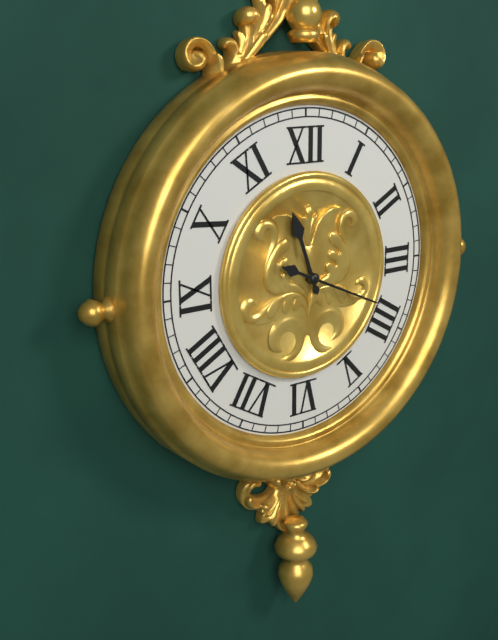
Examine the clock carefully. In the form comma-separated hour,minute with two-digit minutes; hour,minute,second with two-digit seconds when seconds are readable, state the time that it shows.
11,19
